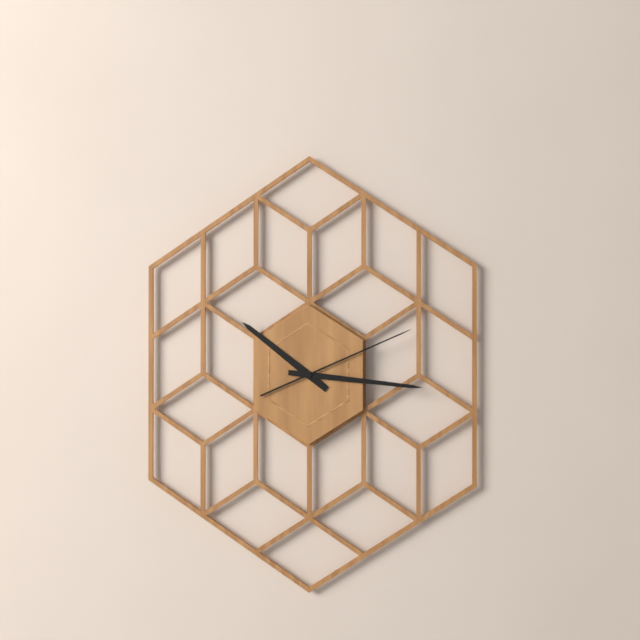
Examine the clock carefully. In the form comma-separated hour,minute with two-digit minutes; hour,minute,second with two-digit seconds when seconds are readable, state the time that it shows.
10,16,11
